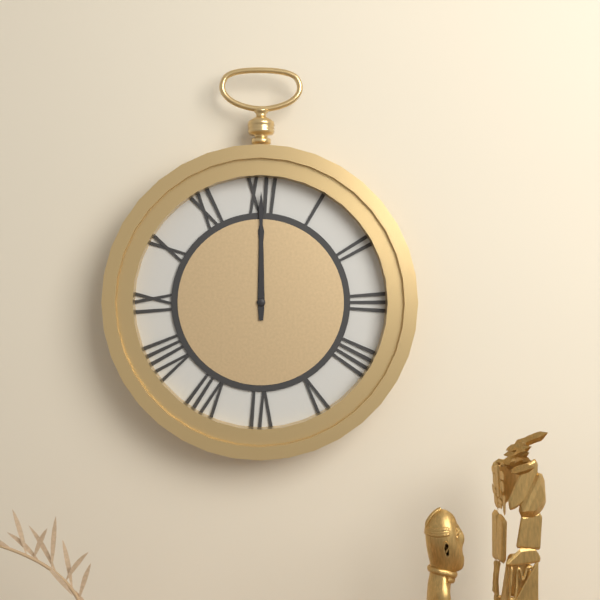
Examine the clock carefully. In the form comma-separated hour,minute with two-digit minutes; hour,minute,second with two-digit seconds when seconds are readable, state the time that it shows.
12,00
